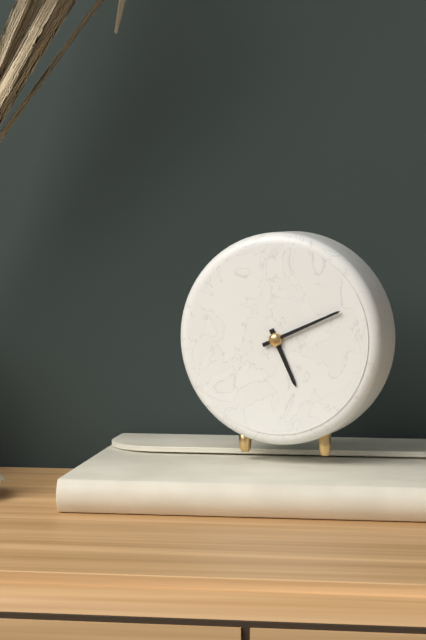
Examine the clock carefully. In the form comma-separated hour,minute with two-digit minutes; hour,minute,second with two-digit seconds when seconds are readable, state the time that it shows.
5,11
